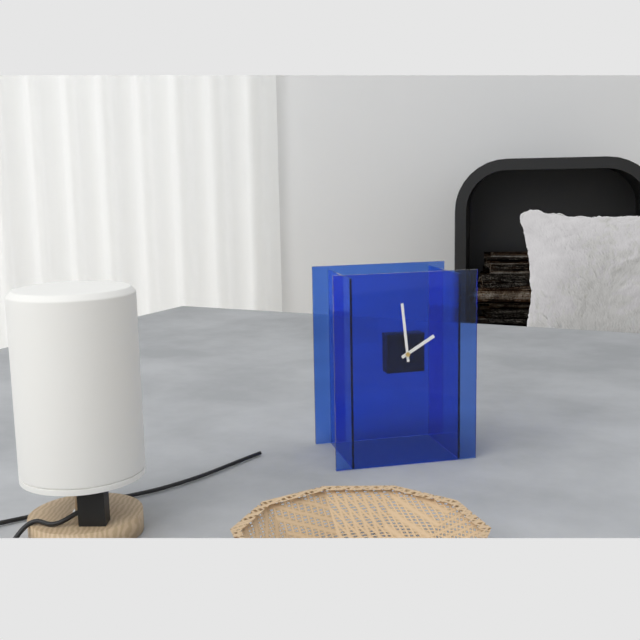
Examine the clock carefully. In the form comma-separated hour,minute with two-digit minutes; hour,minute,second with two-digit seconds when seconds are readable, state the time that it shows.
1,59
